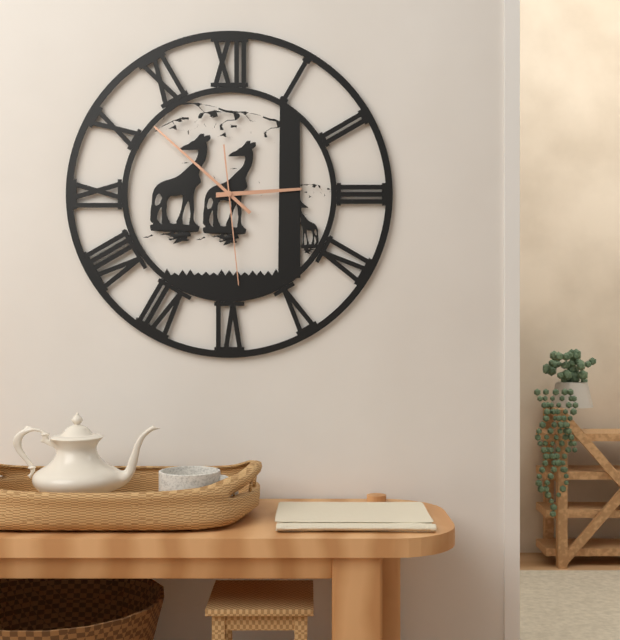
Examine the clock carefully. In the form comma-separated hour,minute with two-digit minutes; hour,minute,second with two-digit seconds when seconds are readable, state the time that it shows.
2,52,29
